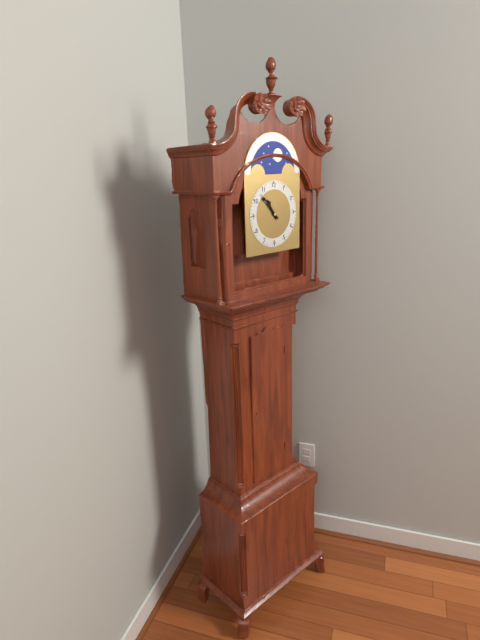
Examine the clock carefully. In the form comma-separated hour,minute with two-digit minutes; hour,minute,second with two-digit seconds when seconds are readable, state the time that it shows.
10,53
